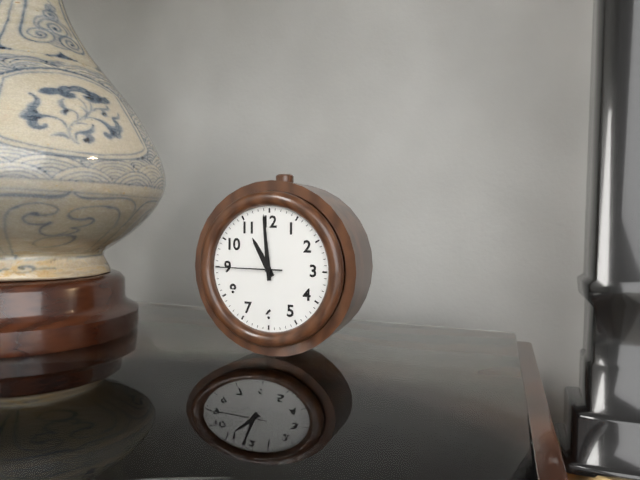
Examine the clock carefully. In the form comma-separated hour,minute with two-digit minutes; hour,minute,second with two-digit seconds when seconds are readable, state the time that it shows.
10,59,45
